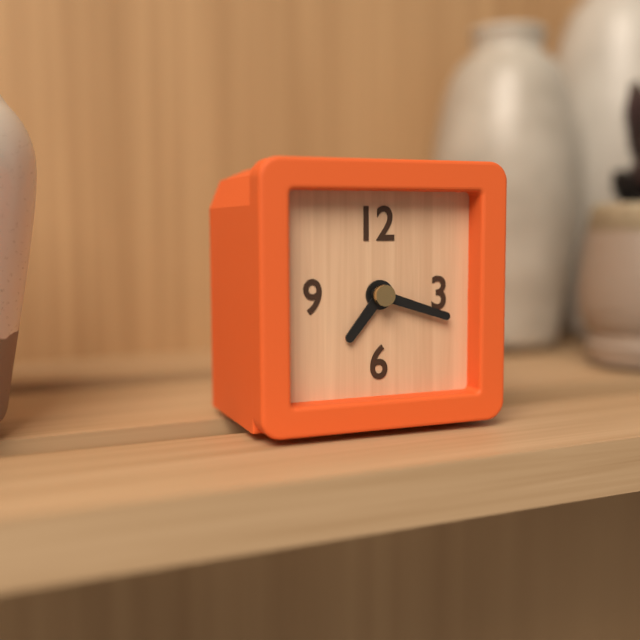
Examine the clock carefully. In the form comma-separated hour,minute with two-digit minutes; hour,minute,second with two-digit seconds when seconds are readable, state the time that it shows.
7,18
